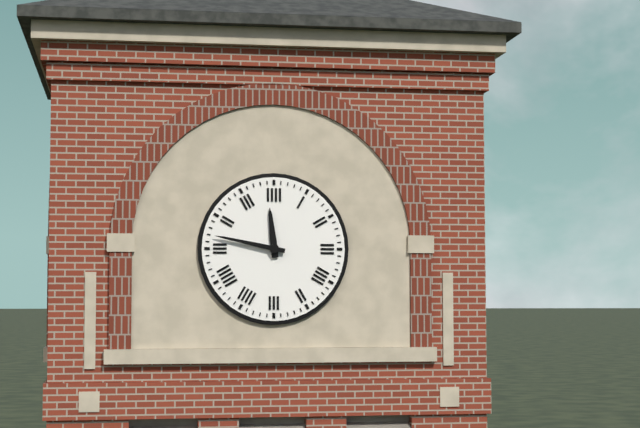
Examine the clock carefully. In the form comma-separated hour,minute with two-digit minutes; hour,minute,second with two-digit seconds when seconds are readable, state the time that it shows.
11,47
